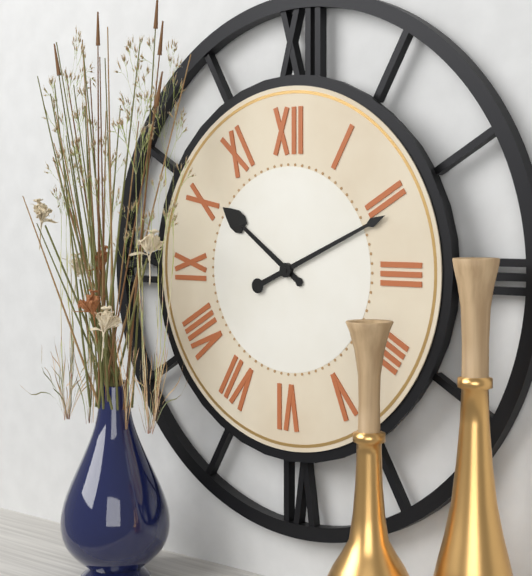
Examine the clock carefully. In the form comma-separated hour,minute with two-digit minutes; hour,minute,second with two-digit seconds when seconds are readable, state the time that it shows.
10,11
